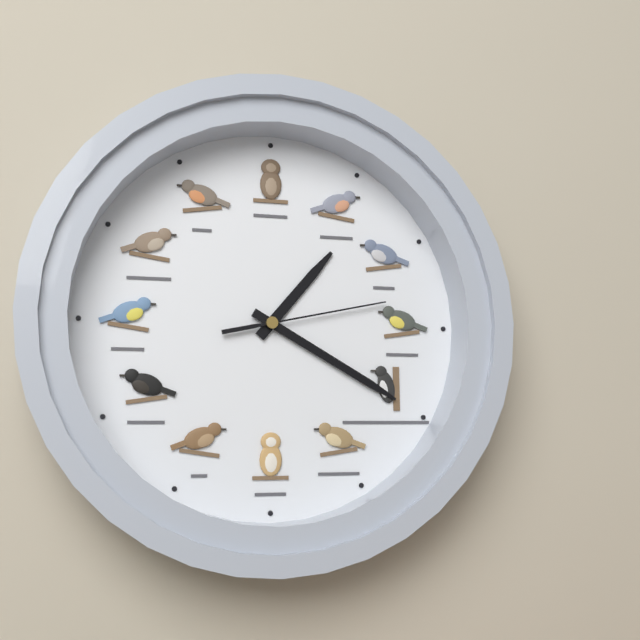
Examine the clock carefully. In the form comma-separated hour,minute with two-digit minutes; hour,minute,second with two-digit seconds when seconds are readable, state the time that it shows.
1,20,13
